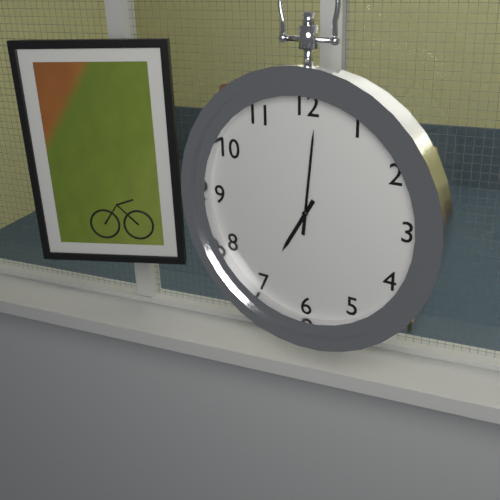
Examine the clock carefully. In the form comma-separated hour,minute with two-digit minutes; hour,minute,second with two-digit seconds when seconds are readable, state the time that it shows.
7,01
